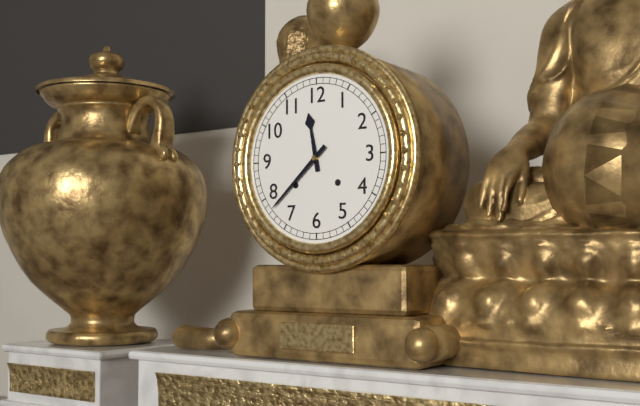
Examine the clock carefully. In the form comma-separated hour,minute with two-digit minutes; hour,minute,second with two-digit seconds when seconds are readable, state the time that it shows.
11,38
